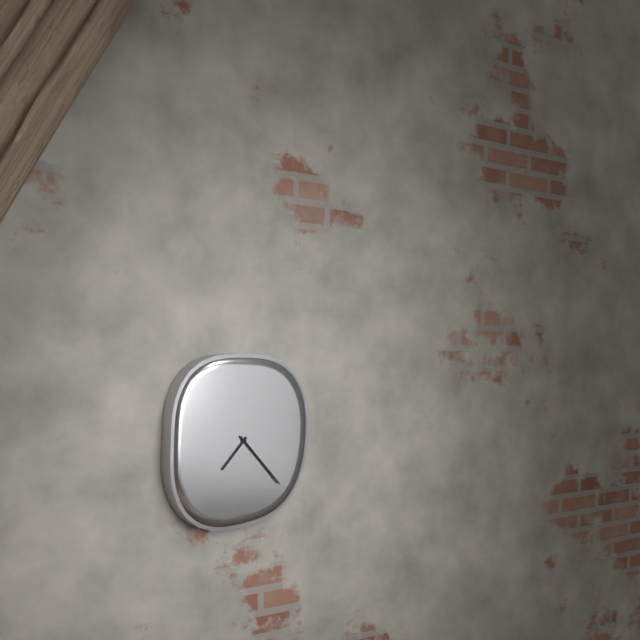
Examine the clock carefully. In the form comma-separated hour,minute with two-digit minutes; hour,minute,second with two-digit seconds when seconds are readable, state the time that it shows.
7,23
